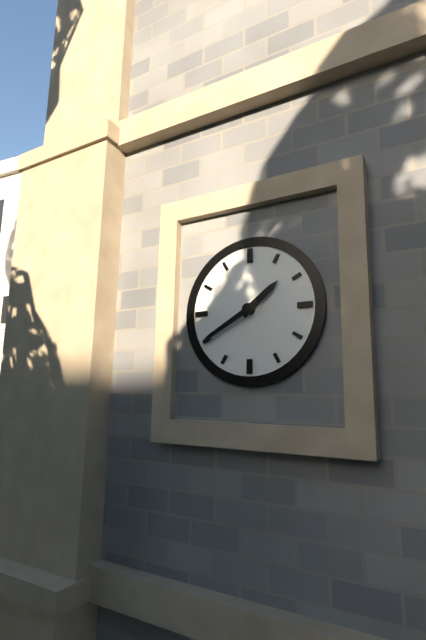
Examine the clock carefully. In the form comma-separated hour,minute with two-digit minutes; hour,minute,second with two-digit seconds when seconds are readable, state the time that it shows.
1,40
